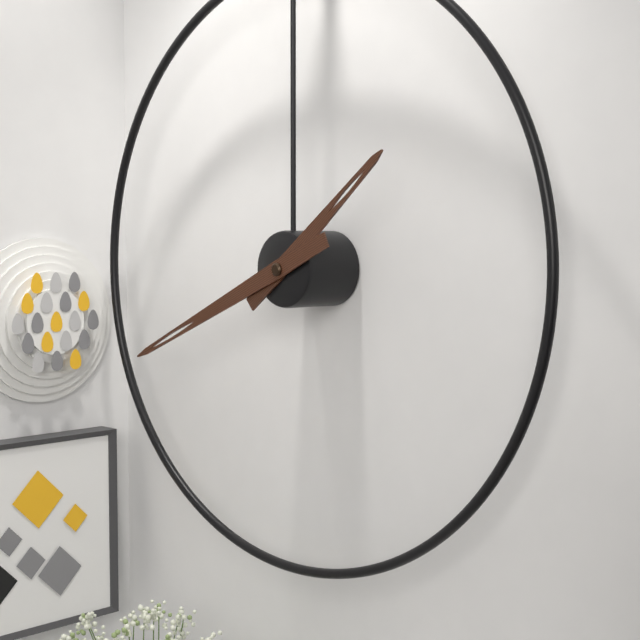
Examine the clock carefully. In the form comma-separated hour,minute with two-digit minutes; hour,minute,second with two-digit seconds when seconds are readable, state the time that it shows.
1,41
